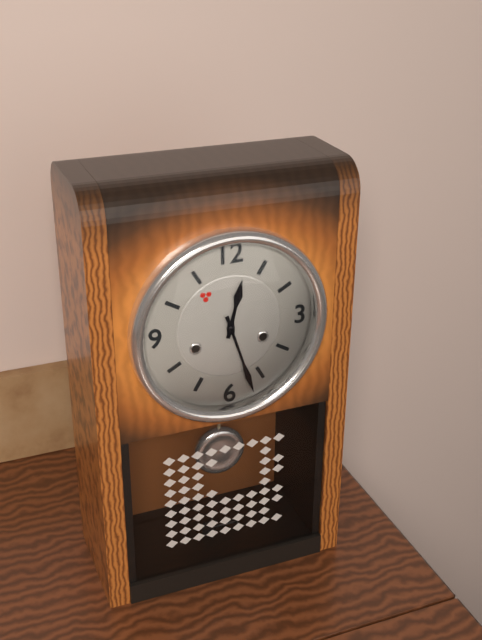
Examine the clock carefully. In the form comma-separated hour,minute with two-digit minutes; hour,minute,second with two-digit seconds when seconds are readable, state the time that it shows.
12,27
